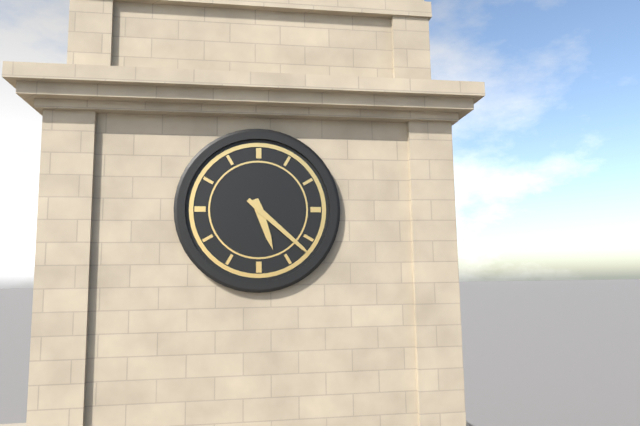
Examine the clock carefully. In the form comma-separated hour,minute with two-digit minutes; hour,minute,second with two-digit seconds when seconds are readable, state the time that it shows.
5,22
